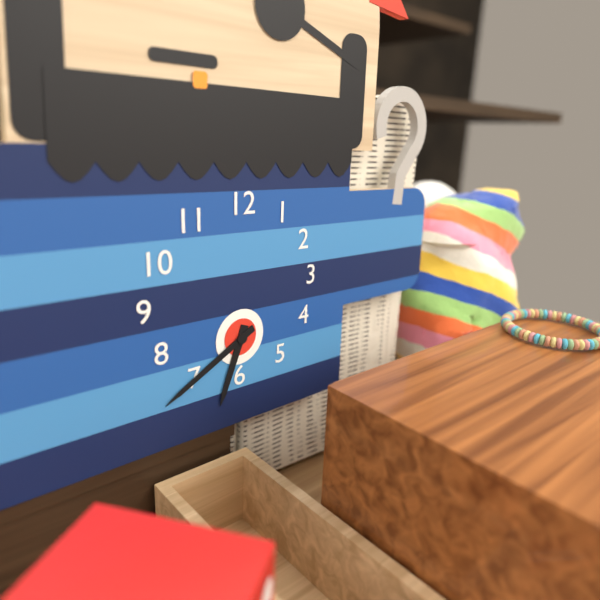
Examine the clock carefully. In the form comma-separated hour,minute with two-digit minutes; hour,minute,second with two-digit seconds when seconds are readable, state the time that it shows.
6,40
